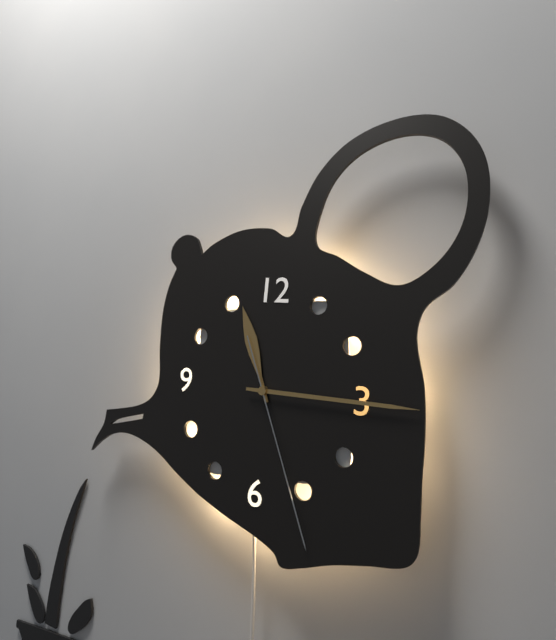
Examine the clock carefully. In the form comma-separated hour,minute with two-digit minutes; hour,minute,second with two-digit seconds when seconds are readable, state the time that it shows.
11,15,26
